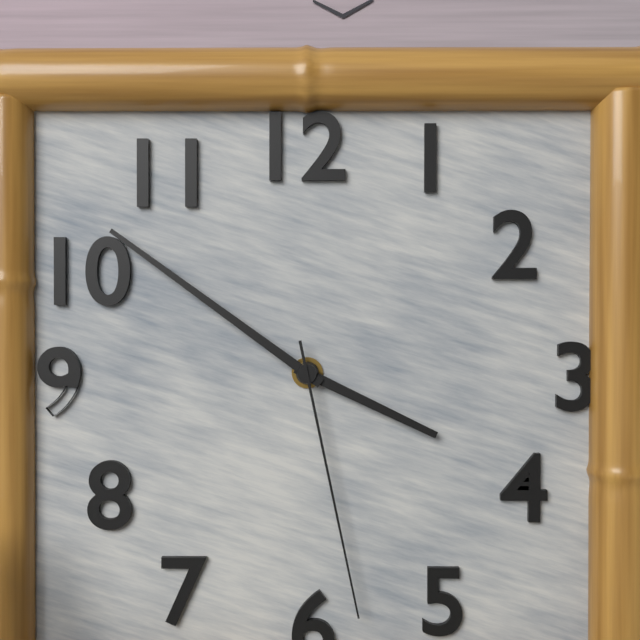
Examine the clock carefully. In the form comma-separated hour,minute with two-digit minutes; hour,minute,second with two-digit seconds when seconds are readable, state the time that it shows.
3,51,28
